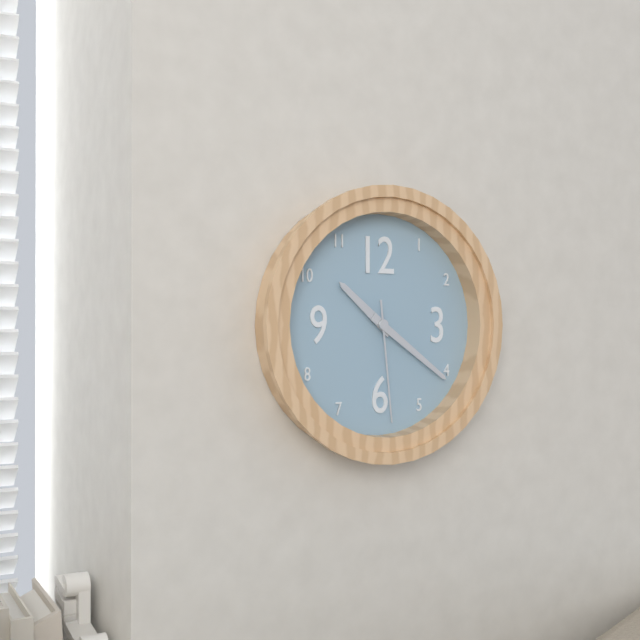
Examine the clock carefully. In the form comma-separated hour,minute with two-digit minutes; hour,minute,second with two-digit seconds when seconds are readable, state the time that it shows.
10,21,29
